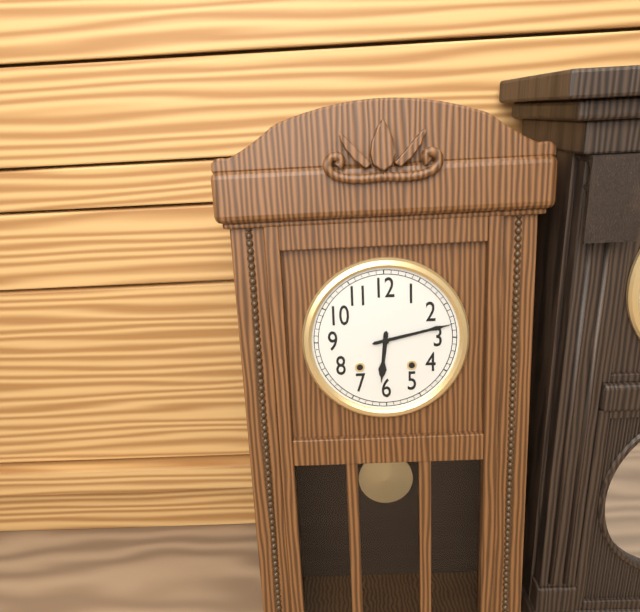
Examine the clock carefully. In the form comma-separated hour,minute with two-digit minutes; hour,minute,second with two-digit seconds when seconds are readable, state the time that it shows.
6,13
